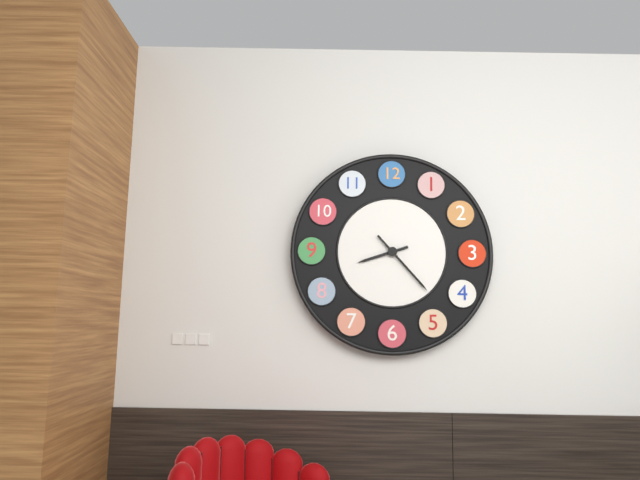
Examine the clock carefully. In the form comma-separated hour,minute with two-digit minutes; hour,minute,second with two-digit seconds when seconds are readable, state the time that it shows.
8,23
